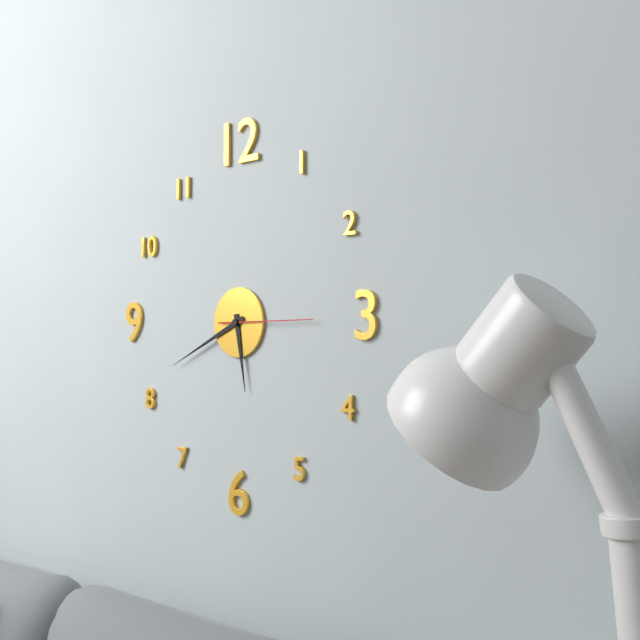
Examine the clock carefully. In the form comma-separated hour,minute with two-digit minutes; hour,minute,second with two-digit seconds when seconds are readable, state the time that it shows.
5,41,15
